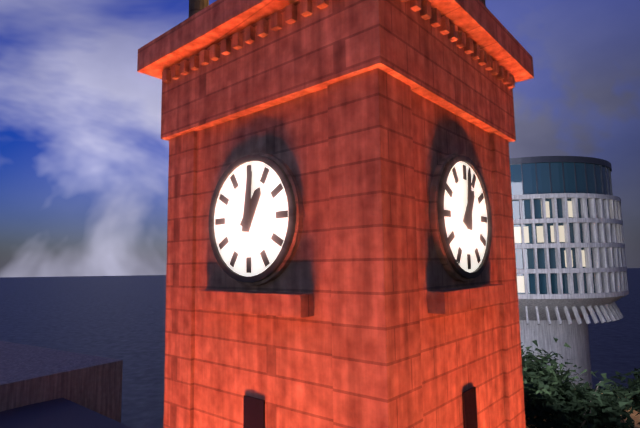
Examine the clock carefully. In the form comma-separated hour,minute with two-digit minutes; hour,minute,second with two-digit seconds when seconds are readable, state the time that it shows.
1,01
